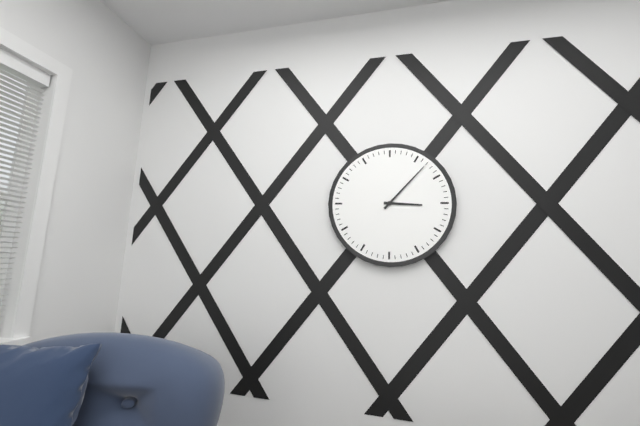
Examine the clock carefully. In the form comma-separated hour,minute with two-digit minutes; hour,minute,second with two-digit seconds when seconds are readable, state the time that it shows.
3,07
